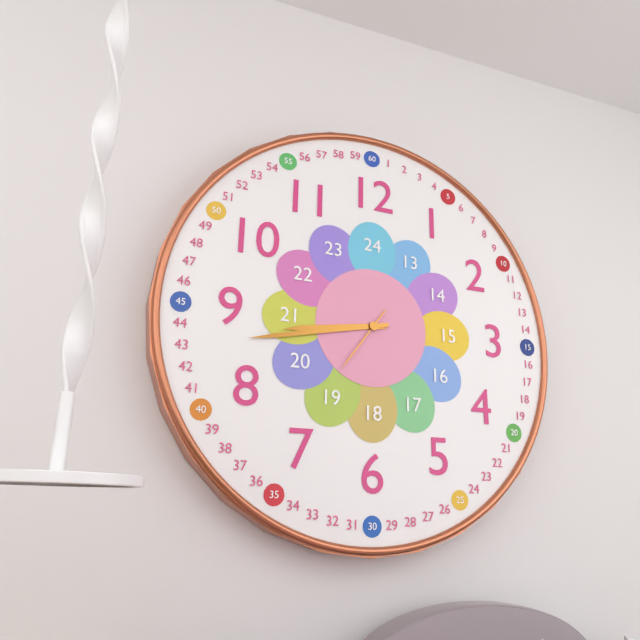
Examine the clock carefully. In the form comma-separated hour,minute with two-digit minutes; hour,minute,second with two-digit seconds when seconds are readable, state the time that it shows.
8,43,36
